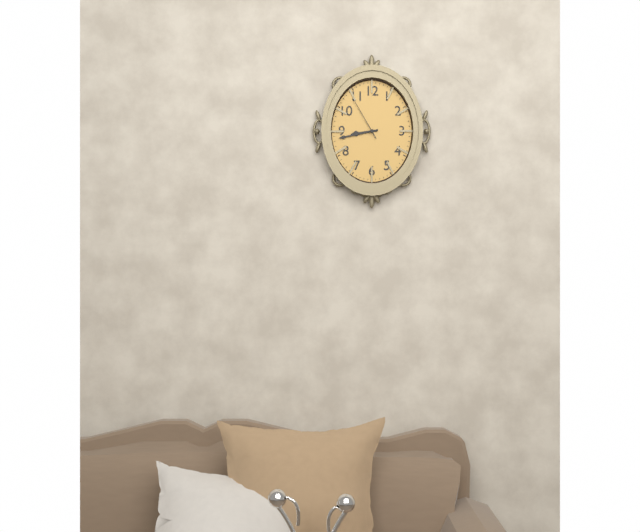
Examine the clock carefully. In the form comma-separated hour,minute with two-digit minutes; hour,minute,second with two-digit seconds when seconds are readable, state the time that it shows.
8,43
